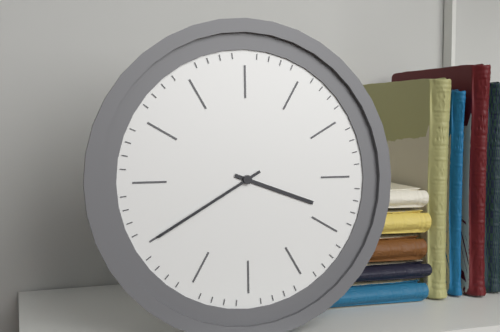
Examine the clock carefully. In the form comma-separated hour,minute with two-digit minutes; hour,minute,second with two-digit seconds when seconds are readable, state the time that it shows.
3,40
